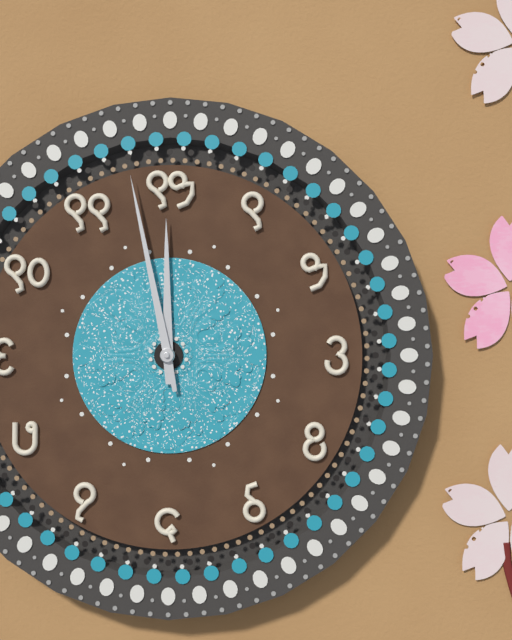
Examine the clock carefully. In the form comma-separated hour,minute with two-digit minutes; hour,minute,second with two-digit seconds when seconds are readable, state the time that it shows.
11,58
